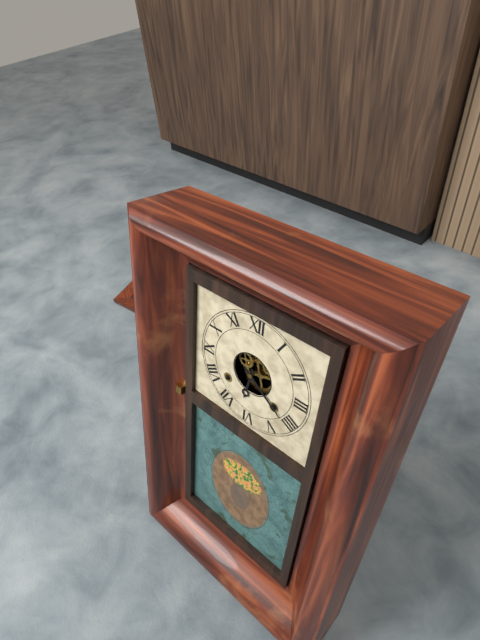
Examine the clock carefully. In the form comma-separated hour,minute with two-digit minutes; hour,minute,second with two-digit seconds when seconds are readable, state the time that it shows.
6,21
